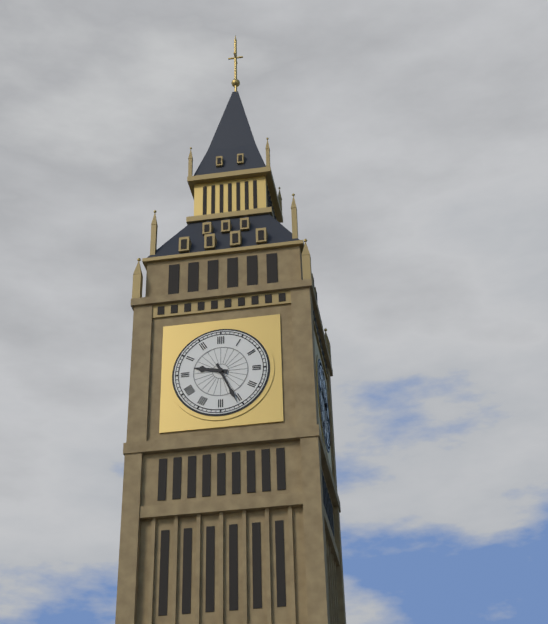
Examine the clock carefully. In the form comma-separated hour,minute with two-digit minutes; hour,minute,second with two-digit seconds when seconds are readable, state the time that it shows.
9,26
